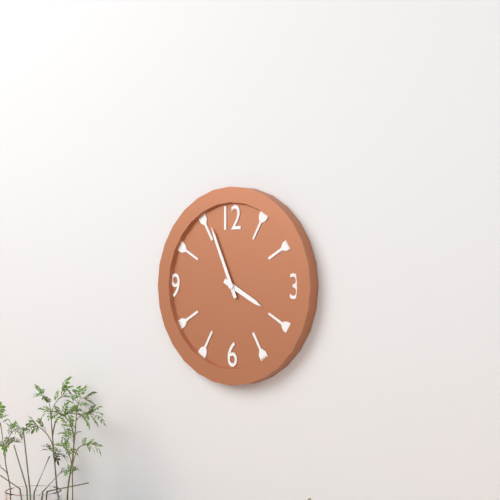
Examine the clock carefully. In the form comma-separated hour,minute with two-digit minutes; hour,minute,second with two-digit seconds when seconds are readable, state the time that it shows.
3,56
